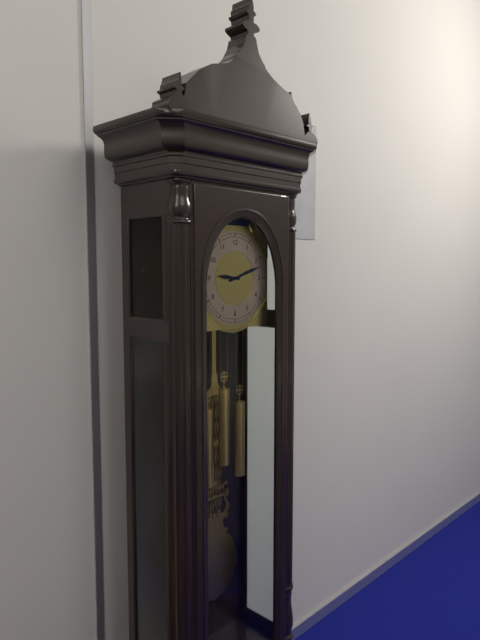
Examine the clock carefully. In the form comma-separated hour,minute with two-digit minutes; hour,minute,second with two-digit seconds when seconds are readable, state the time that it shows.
9,12
